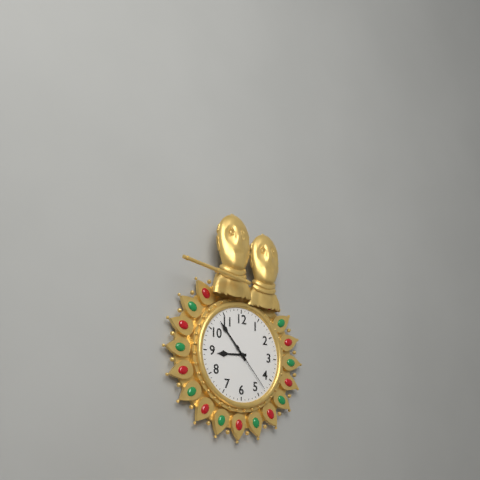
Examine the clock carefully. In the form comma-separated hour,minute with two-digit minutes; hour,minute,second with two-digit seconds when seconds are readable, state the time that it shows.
8,53,23
